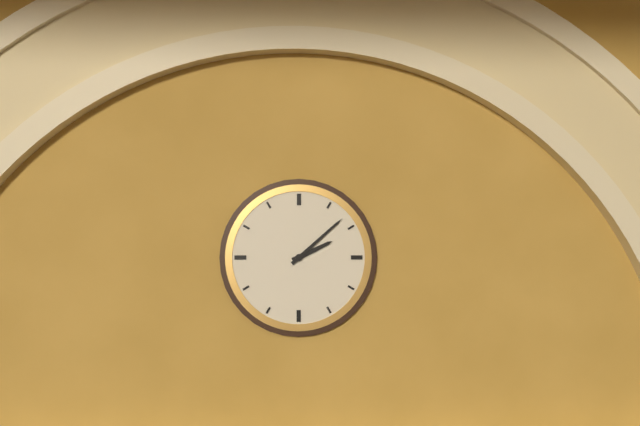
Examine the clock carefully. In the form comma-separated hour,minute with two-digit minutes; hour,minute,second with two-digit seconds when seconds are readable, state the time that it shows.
2,08
